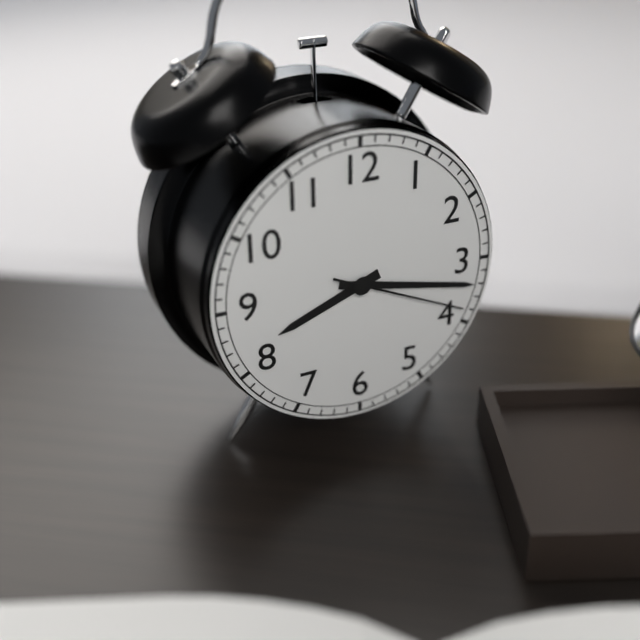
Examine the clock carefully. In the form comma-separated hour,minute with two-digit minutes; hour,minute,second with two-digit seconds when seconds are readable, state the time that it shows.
8,17,19
